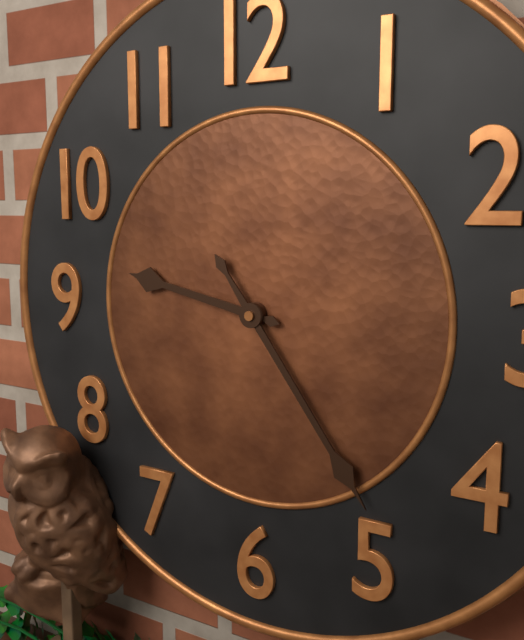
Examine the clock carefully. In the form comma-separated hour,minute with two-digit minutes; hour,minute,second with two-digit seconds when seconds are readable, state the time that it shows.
9,24
